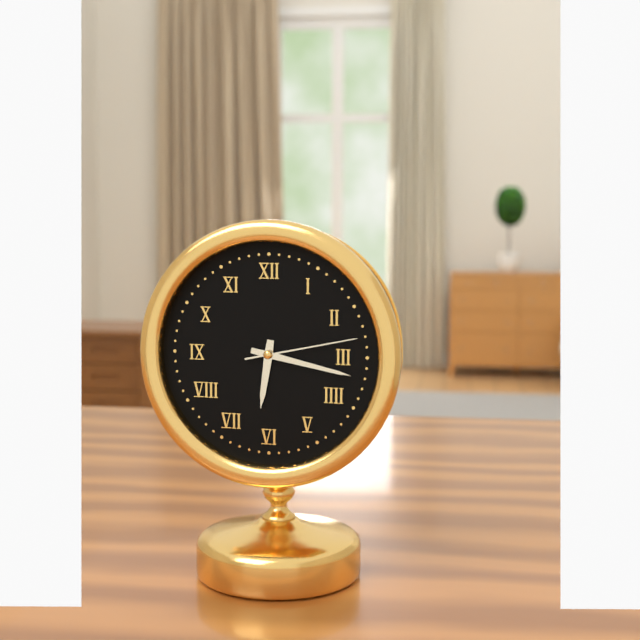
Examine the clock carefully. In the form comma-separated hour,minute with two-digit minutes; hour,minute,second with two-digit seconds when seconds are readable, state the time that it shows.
6,17,13
